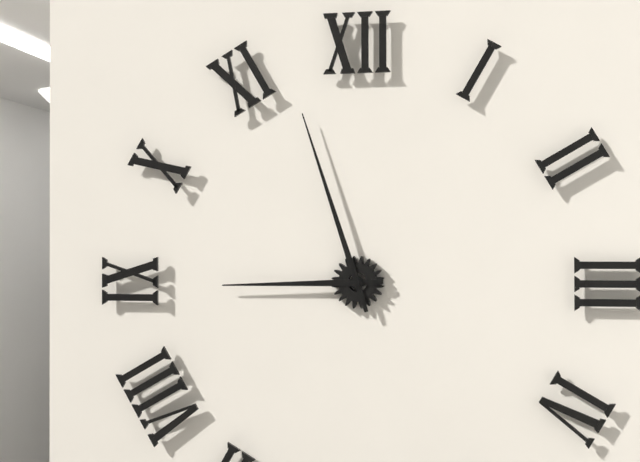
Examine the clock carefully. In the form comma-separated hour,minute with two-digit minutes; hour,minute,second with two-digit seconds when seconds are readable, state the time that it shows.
8,57
